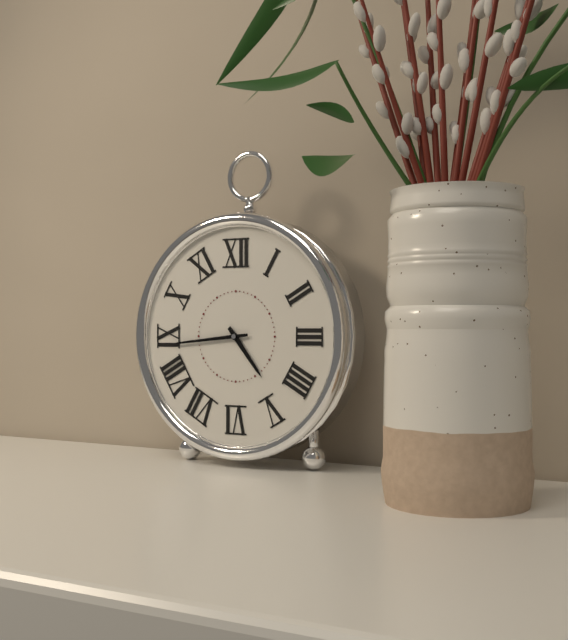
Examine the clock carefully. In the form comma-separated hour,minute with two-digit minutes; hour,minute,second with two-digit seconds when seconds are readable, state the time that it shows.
4,44
